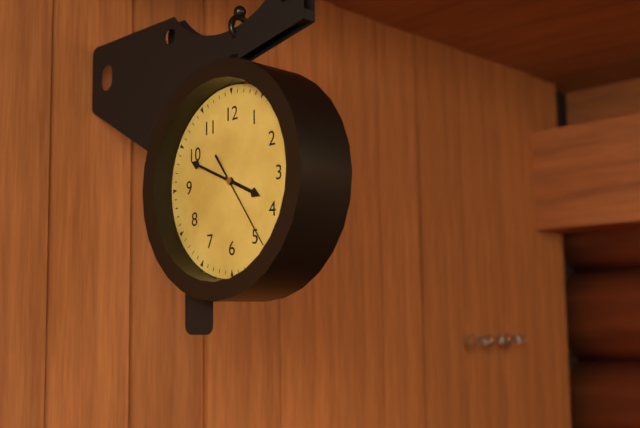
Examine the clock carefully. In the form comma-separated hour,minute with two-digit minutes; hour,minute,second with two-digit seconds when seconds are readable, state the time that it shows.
3,49,24
